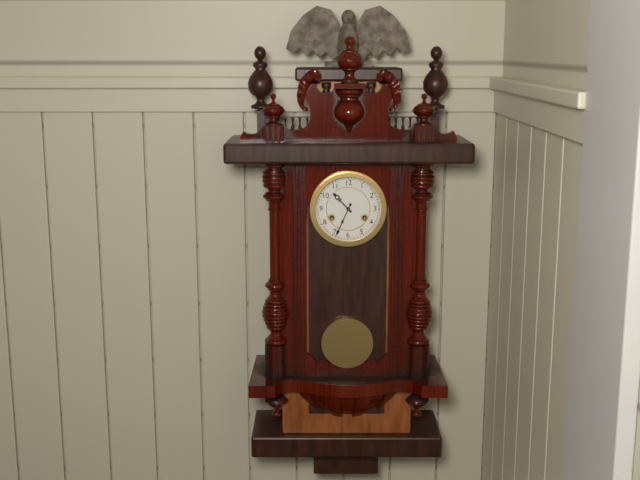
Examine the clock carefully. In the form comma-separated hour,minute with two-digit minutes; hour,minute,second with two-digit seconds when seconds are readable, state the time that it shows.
10,34
